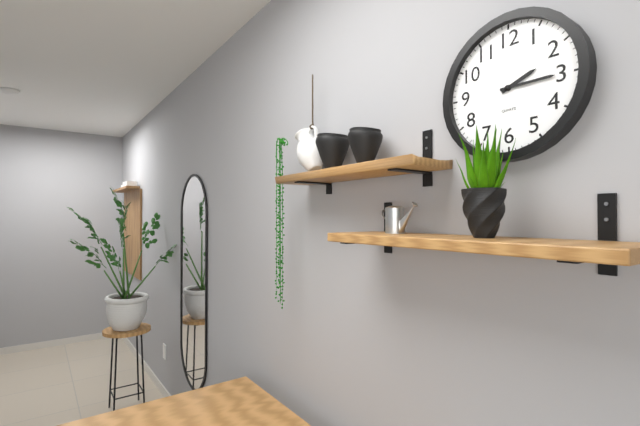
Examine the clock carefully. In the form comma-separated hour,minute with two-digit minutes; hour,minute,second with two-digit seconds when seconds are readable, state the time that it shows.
2,15
